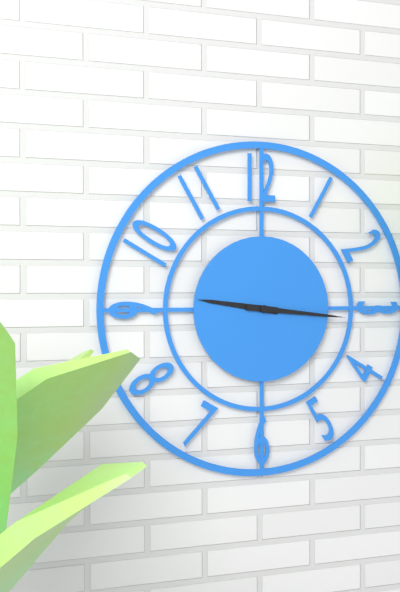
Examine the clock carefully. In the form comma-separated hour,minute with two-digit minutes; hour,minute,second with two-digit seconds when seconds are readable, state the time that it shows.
9,16
